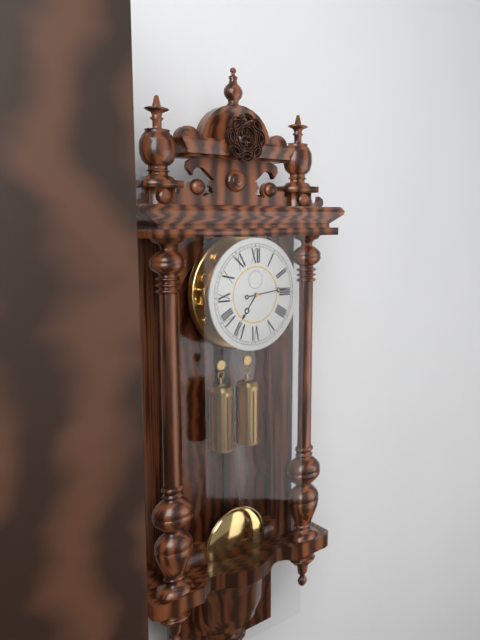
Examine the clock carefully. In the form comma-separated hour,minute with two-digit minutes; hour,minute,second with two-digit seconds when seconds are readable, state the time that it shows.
7,14
